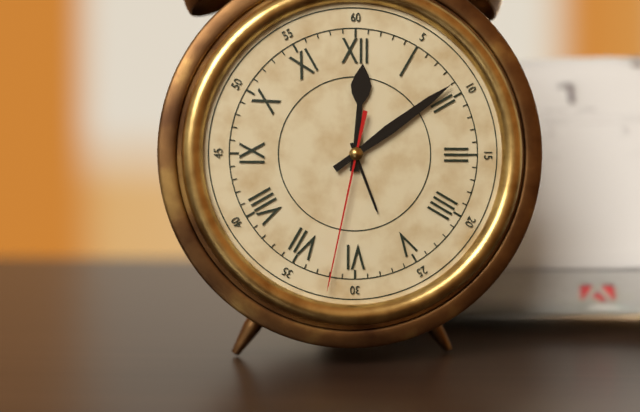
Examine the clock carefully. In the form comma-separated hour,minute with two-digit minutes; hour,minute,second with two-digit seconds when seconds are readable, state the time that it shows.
12,09,32
